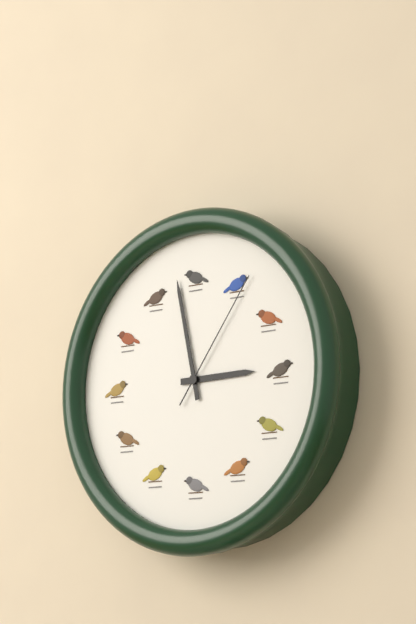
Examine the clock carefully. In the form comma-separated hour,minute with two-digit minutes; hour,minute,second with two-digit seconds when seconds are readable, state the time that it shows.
2,58,06
